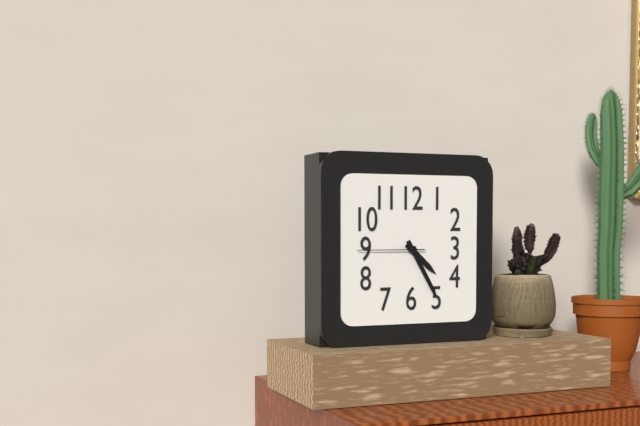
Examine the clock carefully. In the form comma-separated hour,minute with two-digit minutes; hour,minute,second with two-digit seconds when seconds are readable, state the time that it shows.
4,25,45
